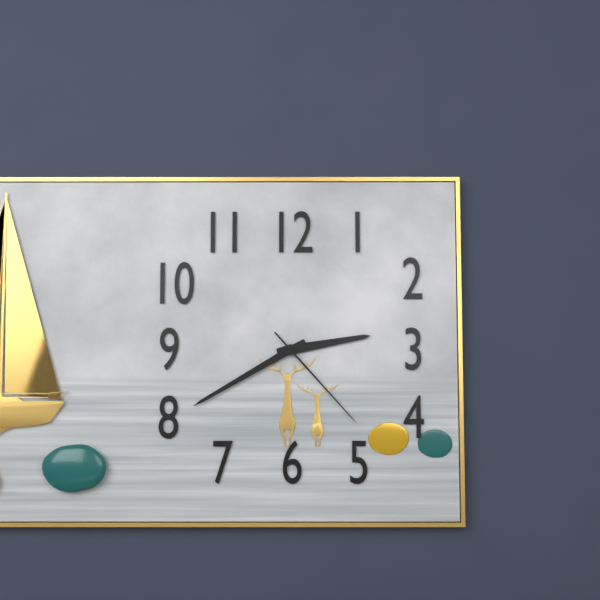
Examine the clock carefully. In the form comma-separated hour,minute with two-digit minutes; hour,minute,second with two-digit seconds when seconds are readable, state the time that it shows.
2,40,23
